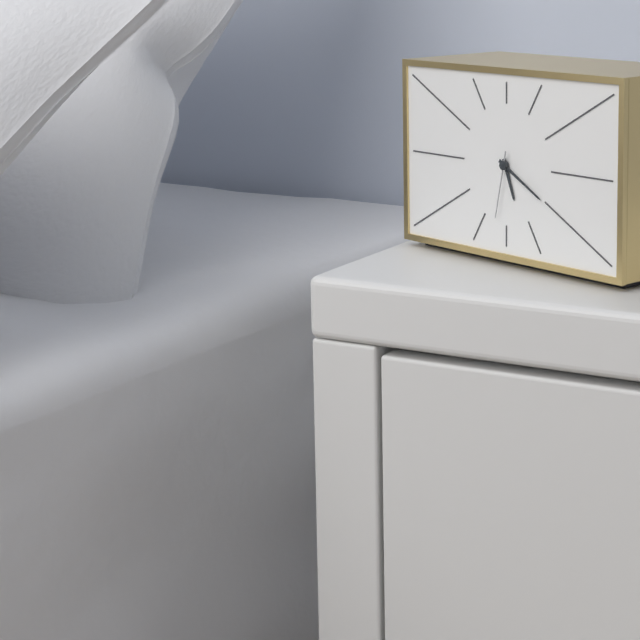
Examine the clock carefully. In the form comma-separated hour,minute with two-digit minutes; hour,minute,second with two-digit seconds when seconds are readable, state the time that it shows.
5,20,32
